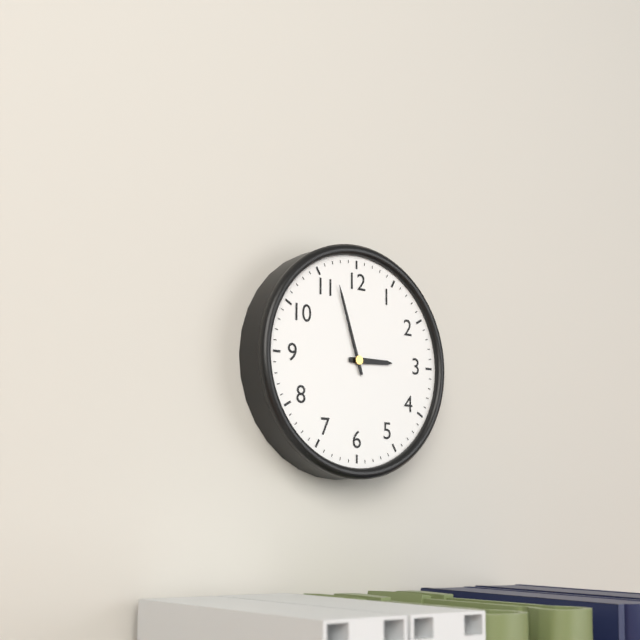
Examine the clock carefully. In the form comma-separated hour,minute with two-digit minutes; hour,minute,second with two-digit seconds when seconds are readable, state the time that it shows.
2,57
